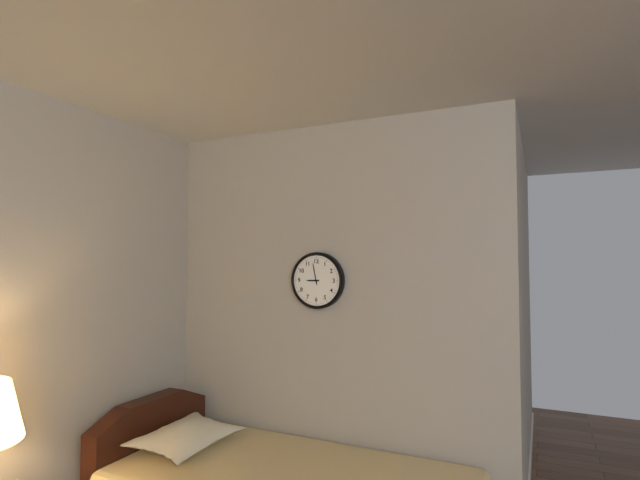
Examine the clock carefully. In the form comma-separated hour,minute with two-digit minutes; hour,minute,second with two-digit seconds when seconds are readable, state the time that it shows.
8,58
